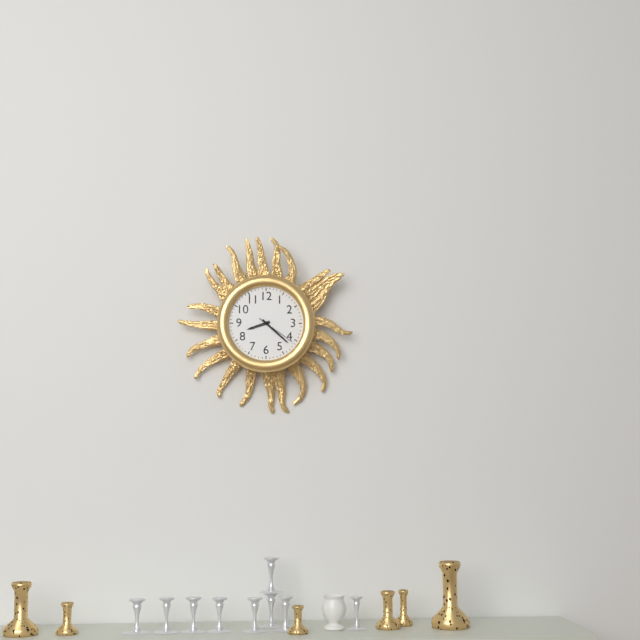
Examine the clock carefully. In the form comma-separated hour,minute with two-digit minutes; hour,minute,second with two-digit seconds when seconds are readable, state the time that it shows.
8,22
